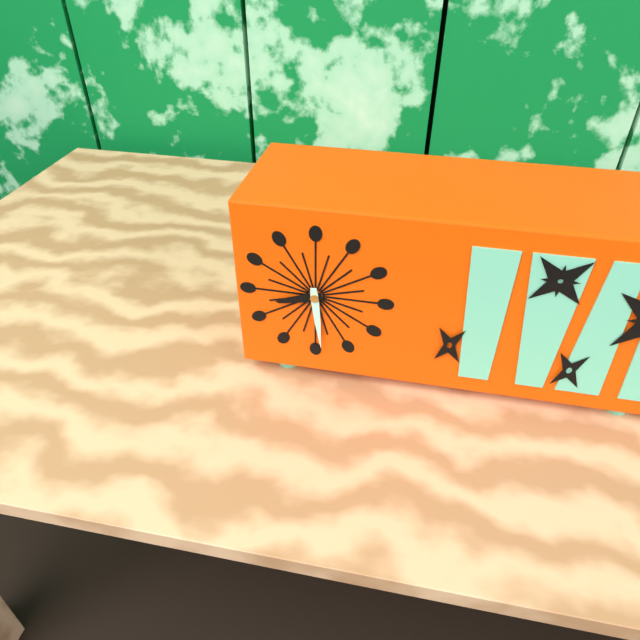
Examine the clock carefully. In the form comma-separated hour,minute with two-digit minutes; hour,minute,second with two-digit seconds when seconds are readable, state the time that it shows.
8,29
